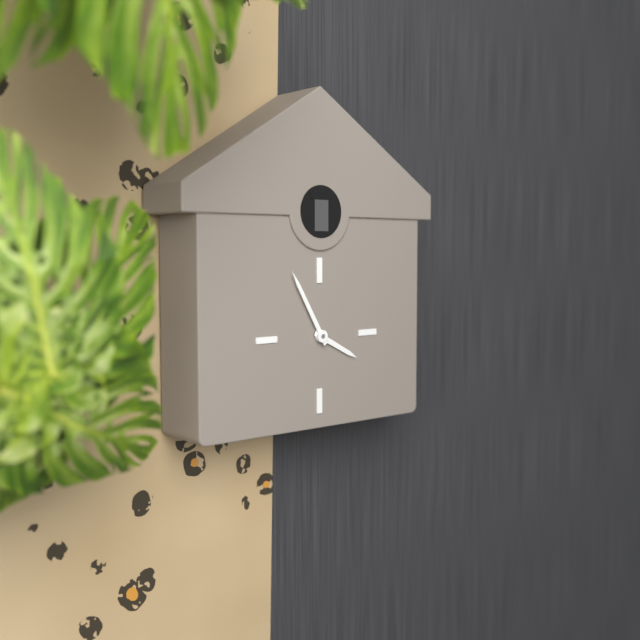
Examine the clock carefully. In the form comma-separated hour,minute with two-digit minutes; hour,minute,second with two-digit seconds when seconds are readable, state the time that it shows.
3,55
